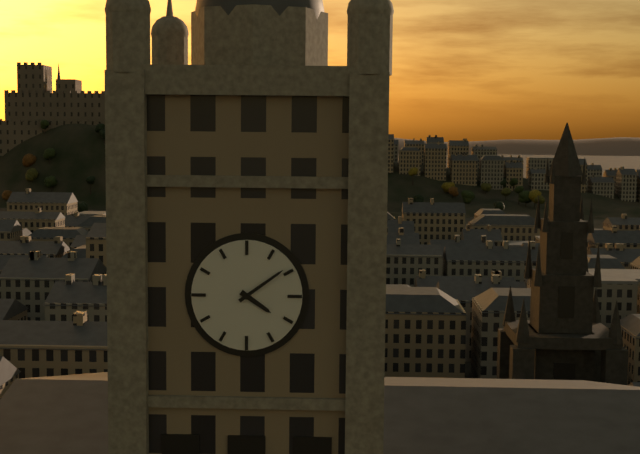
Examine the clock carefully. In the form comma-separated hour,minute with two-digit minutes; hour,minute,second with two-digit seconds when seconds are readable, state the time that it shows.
4,09
